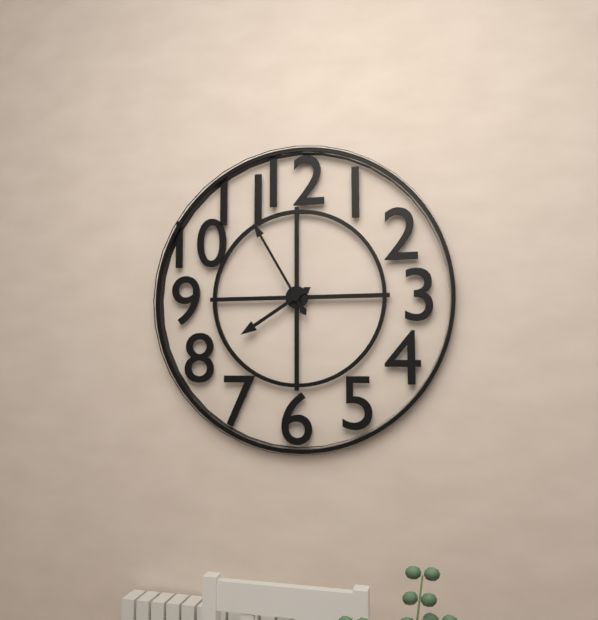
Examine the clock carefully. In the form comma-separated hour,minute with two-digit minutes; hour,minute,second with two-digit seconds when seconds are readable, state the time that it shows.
7,55
